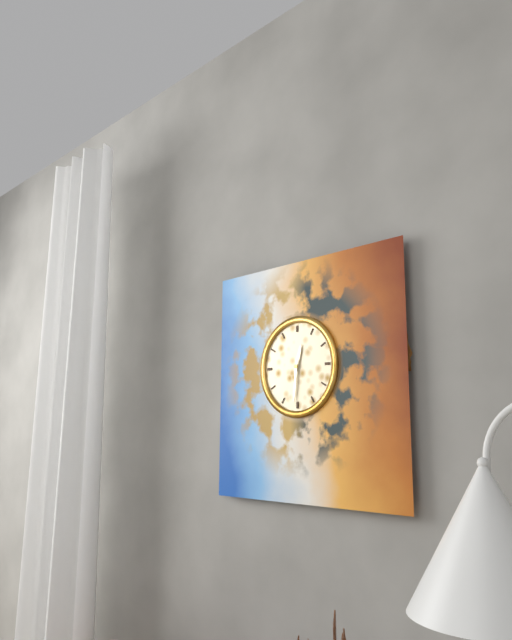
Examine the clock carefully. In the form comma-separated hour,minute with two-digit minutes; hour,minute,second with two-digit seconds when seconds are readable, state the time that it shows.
12,31
